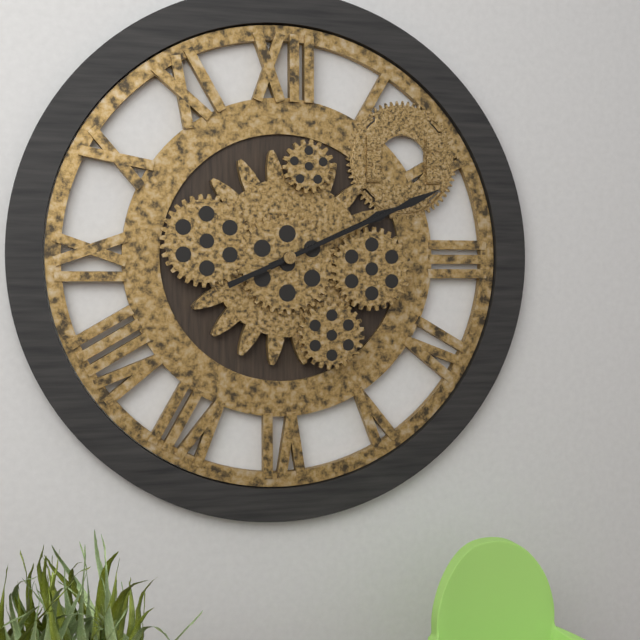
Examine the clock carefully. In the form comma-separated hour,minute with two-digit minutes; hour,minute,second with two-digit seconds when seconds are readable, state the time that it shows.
2,11
